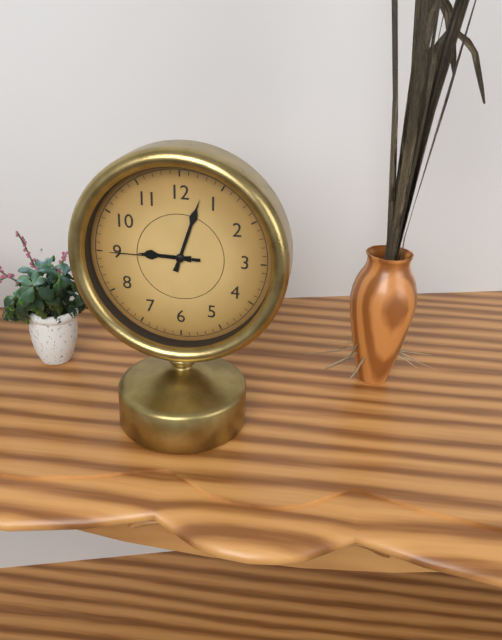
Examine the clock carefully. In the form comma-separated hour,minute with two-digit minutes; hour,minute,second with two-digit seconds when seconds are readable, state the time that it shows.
9,03,45
